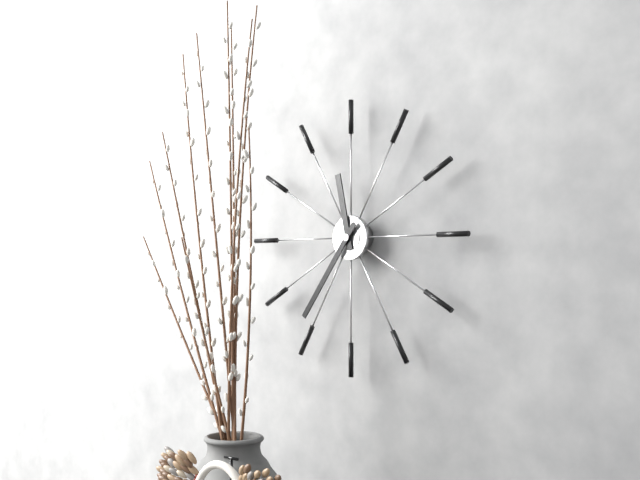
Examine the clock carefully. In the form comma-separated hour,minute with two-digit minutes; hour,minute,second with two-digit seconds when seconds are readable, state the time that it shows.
11,36
